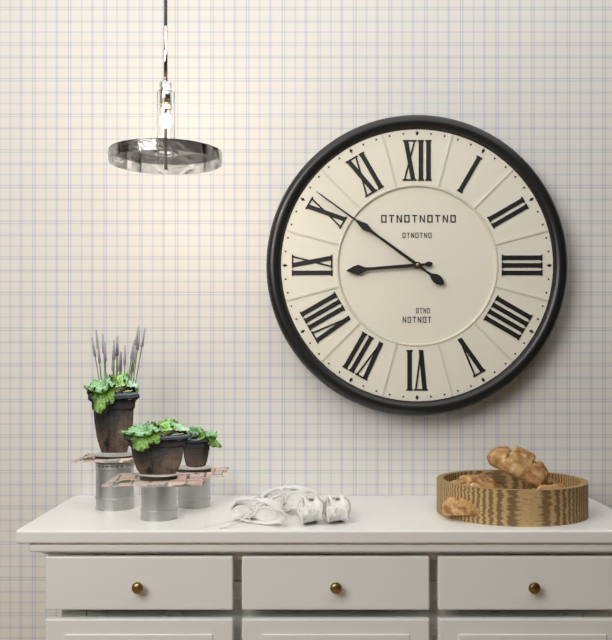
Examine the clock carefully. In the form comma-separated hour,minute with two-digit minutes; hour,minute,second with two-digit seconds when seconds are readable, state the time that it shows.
8,51
